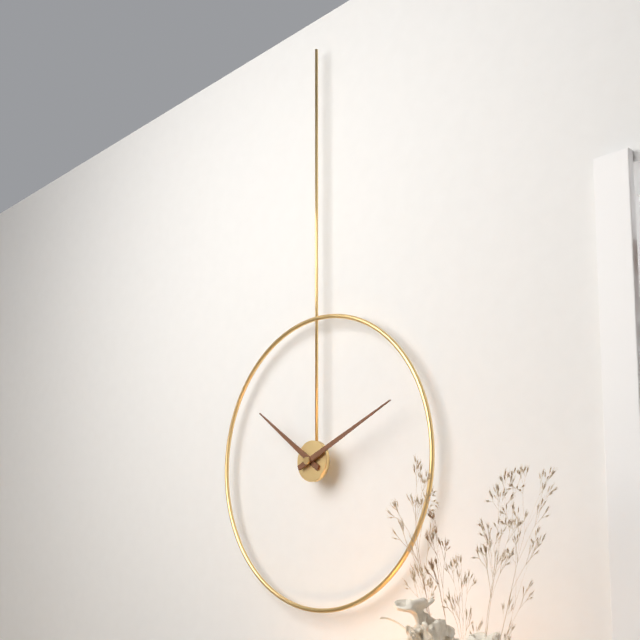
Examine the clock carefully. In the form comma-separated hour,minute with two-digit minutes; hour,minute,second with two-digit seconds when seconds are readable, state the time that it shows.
10,11
